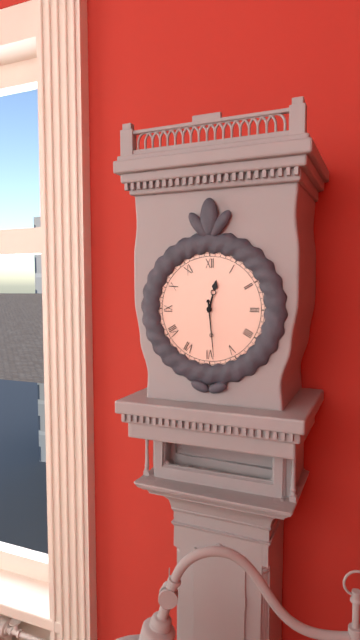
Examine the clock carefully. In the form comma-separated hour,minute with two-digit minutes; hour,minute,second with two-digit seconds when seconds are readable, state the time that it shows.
12,29
